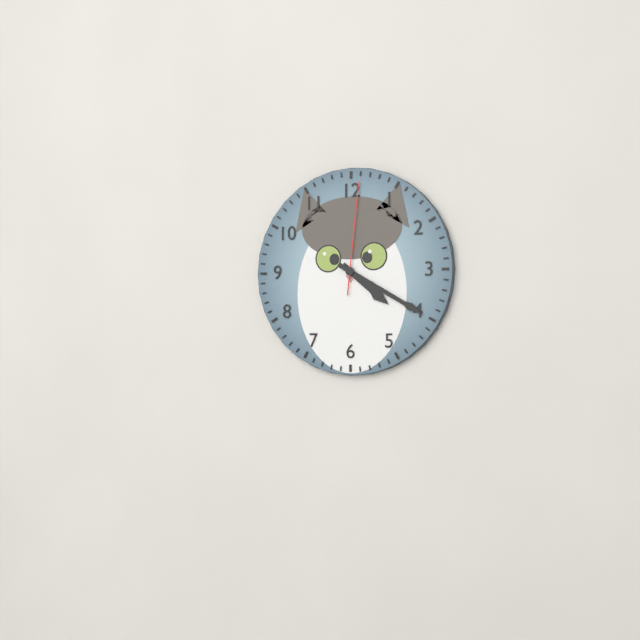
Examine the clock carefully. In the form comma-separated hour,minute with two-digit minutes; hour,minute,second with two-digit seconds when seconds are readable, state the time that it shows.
4,20,01
